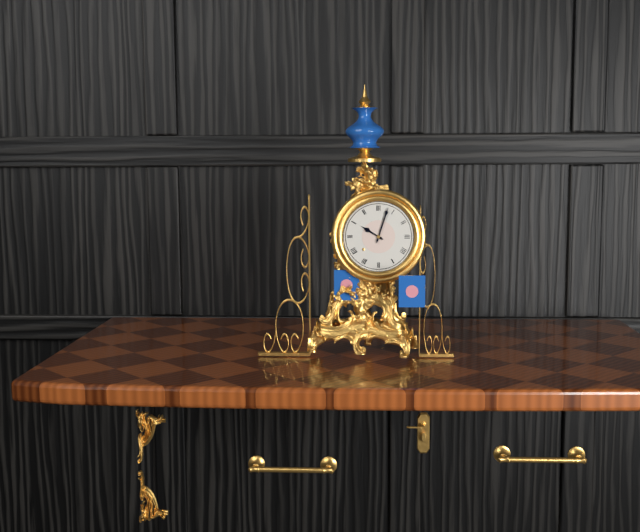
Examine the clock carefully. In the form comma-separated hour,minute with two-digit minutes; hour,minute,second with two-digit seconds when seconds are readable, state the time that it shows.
10,03
